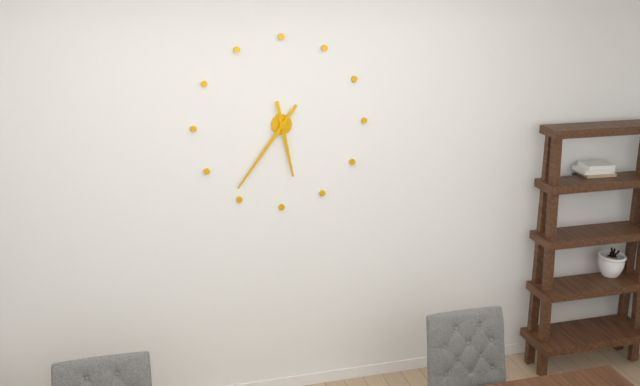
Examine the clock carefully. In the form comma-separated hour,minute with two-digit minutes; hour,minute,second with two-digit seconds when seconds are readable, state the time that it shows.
5,36
